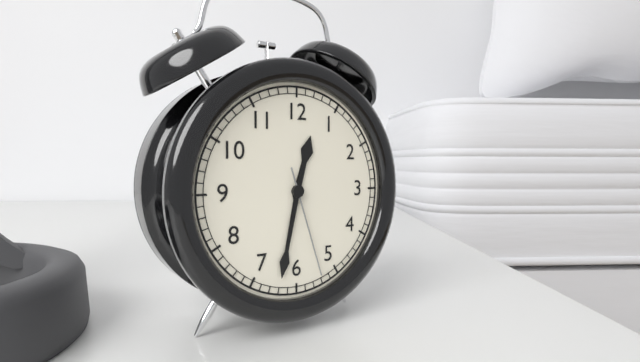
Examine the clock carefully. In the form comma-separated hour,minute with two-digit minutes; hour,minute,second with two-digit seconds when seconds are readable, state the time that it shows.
12,32,27
